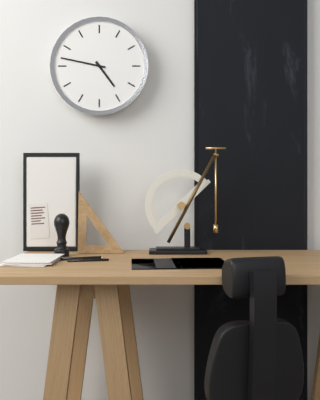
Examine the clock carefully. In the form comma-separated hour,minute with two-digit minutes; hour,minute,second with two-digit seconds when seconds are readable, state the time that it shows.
4,47
